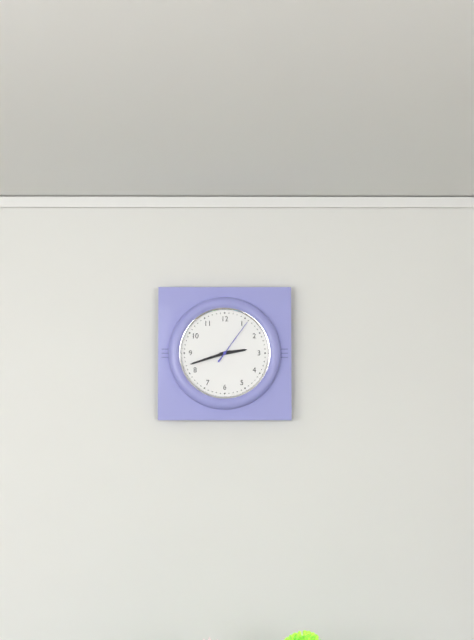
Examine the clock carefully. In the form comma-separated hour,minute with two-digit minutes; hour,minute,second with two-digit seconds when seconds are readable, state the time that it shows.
2,42
